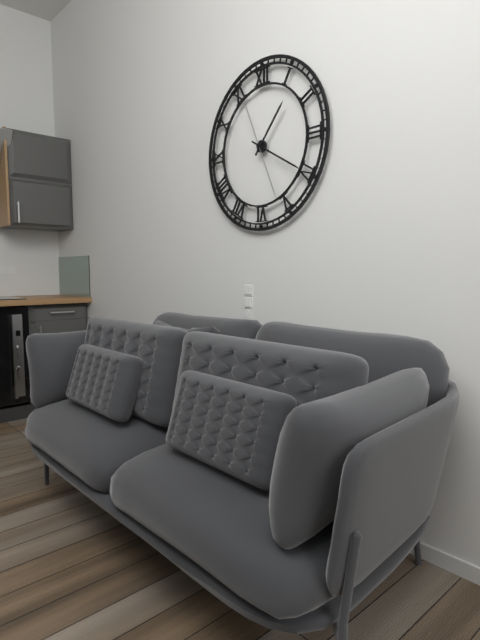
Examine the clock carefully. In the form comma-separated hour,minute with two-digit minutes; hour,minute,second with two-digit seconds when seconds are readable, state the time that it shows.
1,20,26
